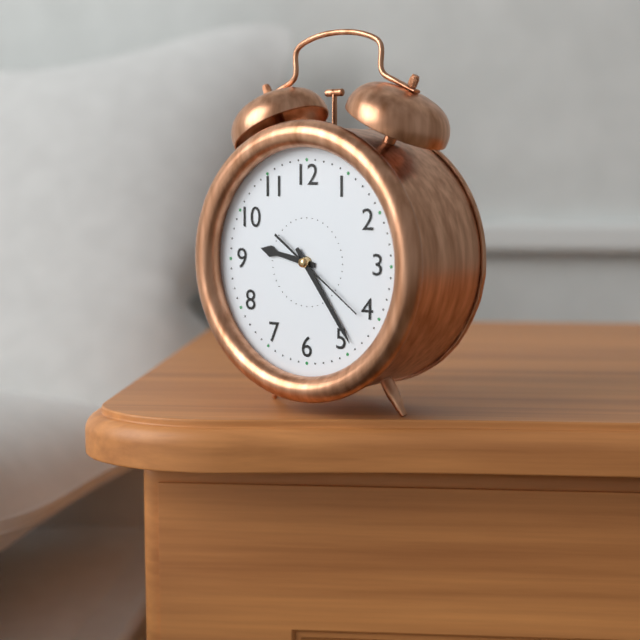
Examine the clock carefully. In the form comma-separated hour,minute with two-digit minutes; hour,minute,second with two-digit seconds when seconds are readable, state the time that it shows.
9,24,21
